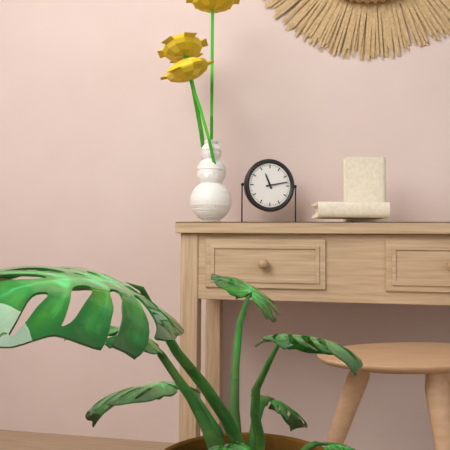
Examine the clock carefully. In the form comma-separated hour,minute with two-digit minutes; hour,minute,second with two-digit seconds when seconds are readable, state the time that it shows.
11,13
